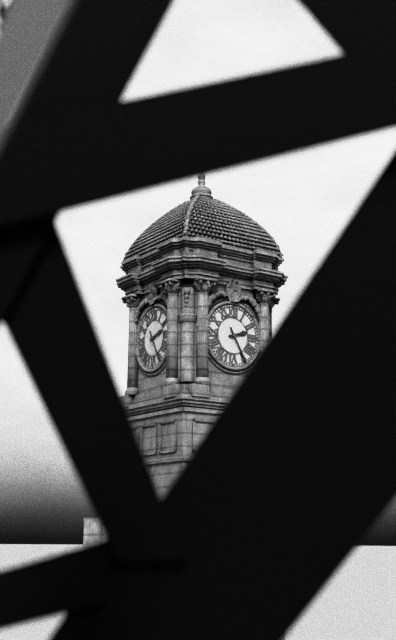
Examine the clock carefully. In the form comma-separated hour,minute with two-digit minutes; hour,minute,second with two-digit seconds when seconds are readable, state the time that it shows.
2,25
